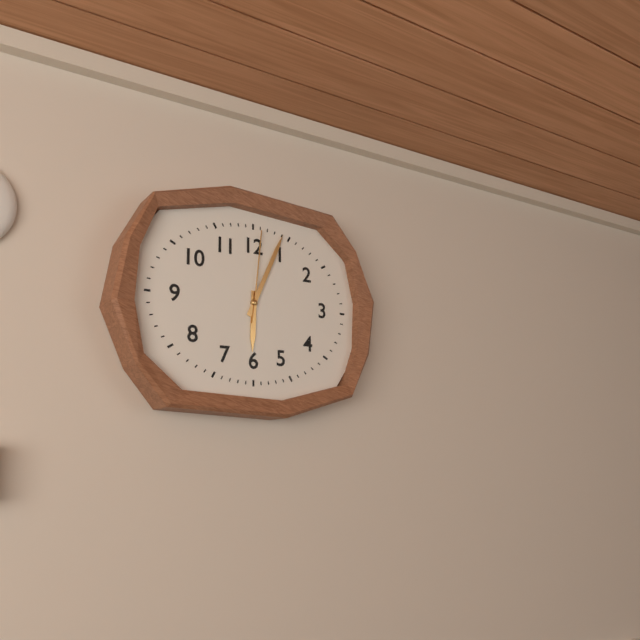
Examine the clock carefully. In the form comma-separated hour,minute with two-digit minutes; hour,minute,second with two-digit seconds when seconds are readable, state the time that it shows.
6,04,01
